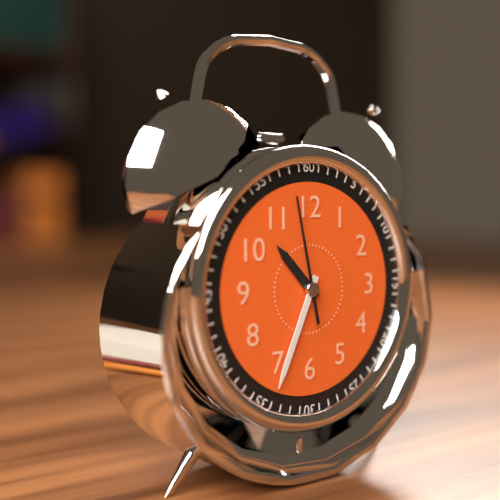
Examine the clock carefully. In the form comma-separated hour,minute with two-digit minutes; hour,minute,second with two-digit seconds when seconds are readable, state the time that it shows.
10,34,58
